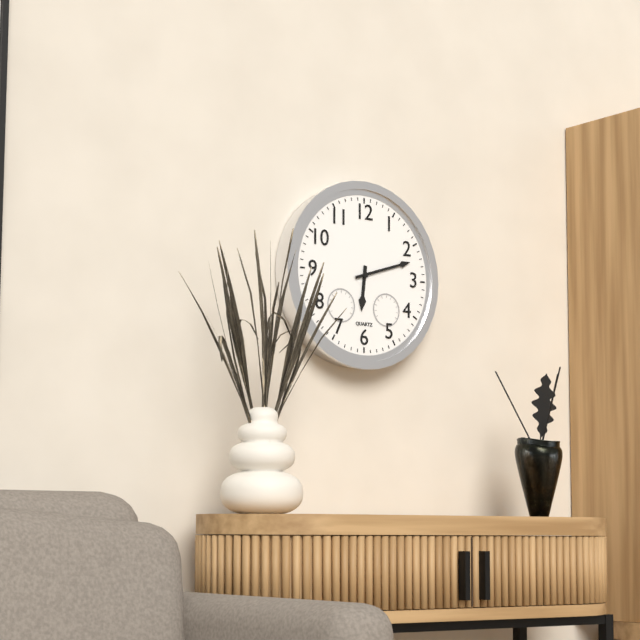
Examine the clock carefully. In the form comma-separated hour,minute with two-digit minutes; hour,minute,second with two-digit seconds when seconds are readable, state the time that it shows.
6,12
